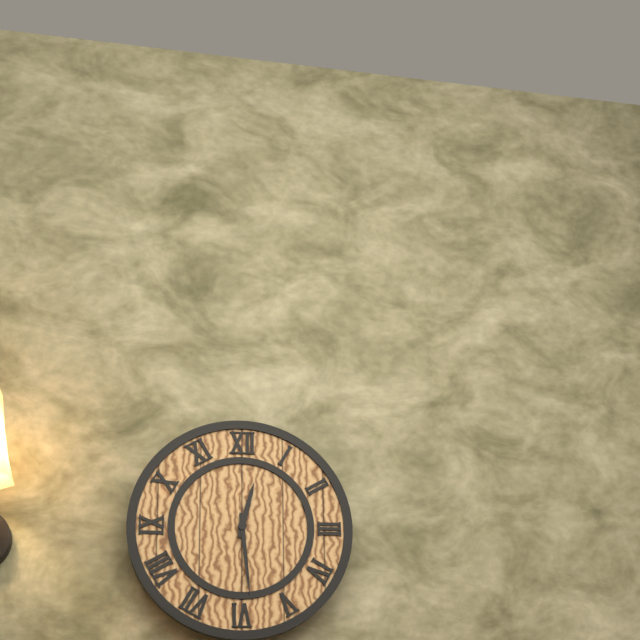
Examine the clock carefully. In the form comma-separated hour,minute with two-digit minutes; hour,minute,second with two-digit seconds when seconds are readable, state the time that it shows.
12,29
